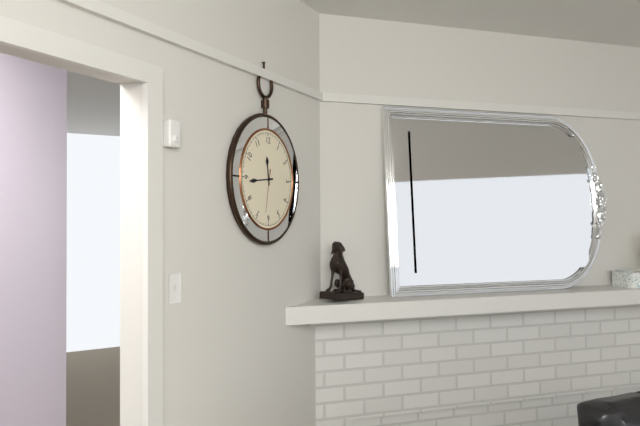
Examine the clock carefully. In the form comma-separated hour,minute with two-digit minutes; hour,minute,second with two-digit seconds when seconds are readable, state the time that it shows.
11,44
